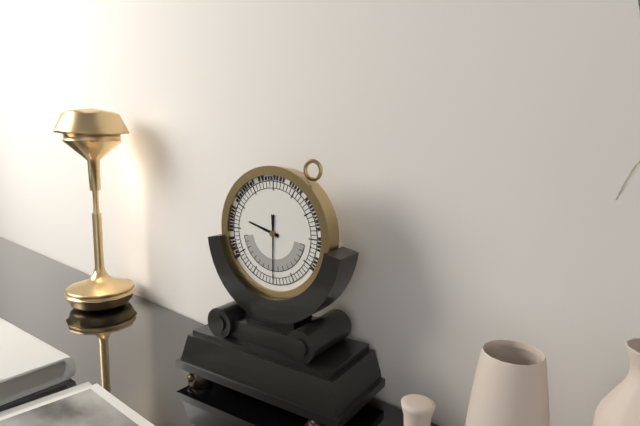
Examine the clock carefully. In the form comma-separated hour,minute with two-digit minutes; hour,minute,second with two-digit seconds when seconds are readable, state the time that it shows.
9,30
